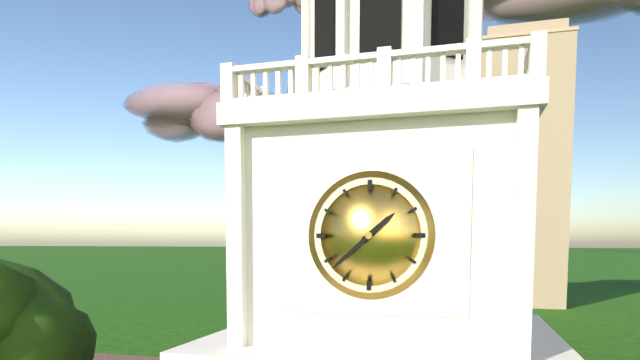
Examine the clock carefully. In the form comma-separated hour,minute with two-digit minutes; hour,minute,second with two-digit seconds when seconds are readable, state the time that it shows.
1,38
